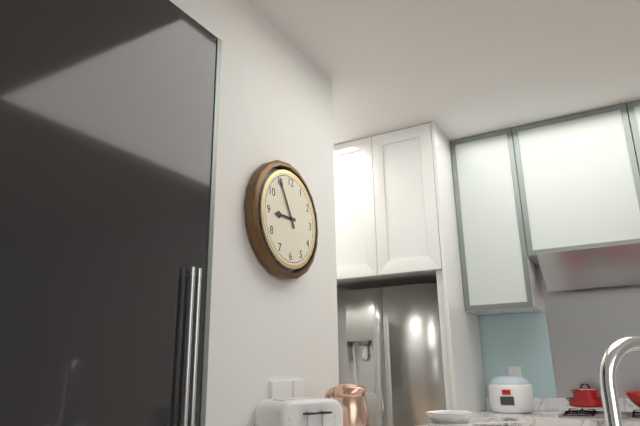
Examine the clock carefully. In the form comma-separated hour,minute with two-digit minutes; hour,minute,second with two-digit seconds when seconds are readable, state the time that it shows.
8,55
